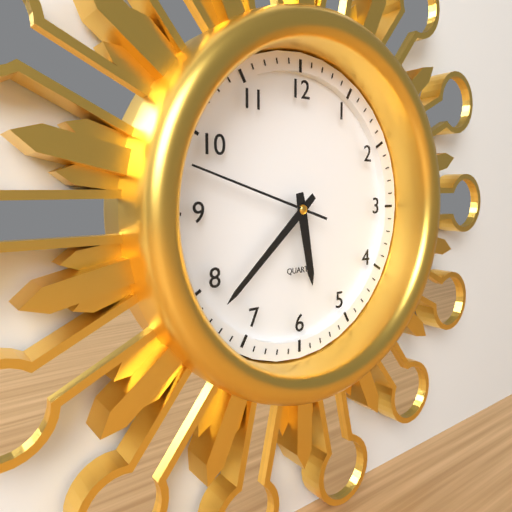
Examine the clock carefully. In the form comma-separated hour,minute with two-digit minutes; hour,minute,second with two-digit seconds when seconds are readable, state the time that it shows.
5,38,48
